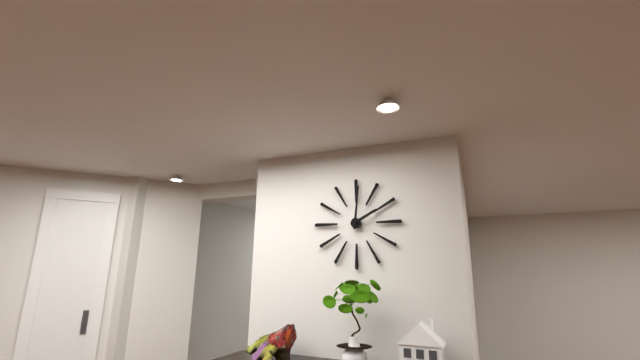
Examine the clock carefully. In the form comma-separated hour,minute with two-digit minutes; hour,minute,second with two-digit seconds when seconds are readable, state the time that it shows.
2,01
